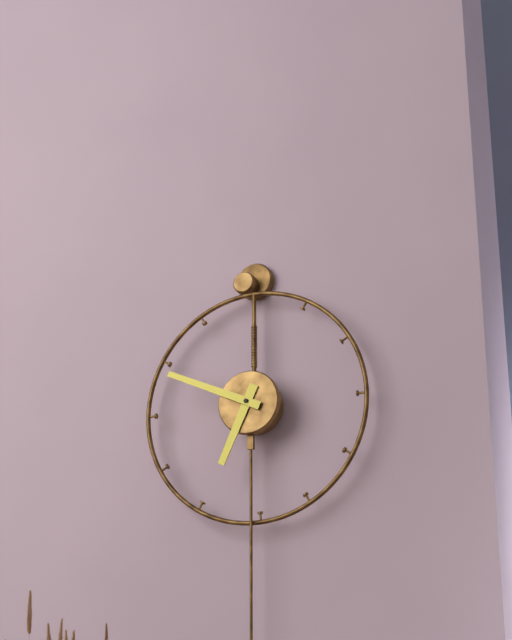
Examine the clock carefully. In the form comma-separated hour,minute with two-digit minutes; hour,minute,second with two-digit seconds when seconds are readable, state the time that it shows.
6,49
